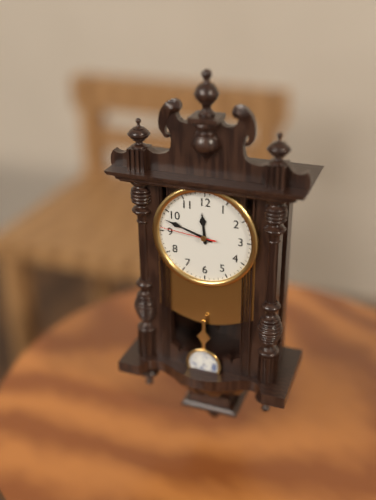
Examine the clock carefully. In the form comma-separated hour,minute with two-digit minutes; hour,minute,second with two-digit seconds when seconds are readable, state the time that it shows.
11,48,46
